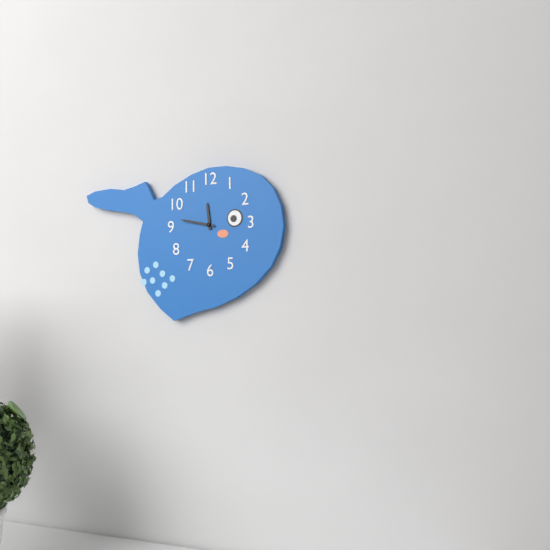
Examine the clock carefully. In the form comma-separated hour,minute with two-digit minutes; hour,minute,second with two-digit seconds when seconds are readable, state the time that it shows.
11,47
